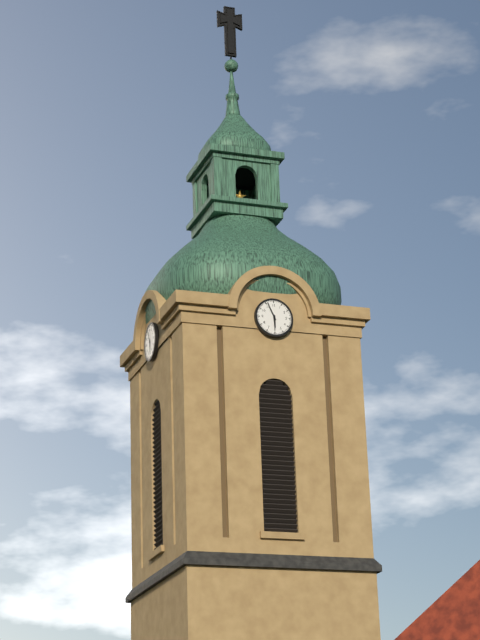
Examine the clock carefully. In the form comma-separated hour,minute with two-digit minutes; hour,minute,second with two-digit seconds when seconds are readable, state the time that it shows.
5,56
